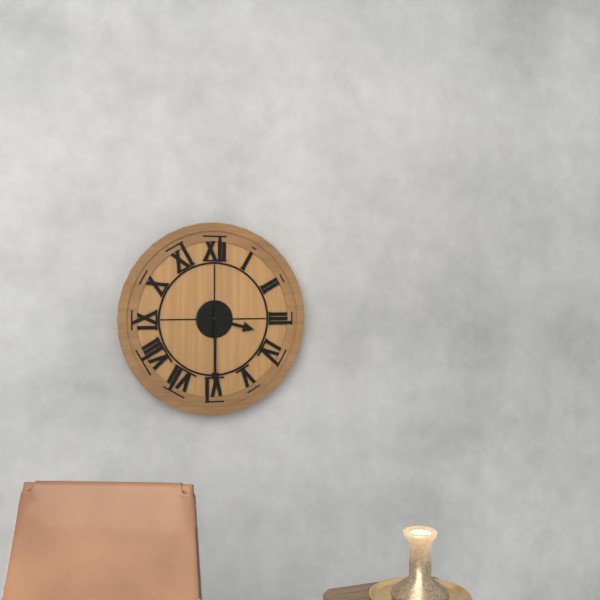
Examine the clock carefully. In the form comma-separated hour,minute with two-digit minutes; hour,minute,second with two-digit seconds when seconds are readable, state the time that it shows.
3,30
